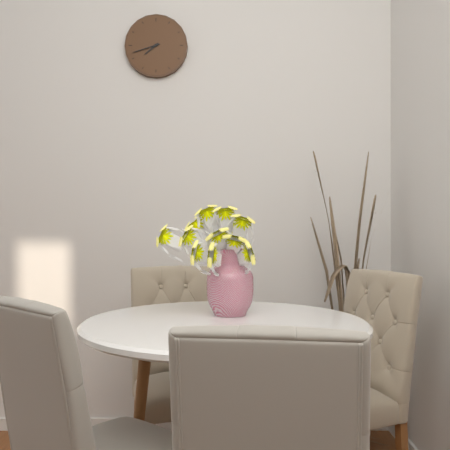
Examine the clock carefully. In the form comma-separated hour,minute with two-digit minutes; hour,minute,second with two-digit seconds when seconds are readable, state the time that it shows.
7,42
